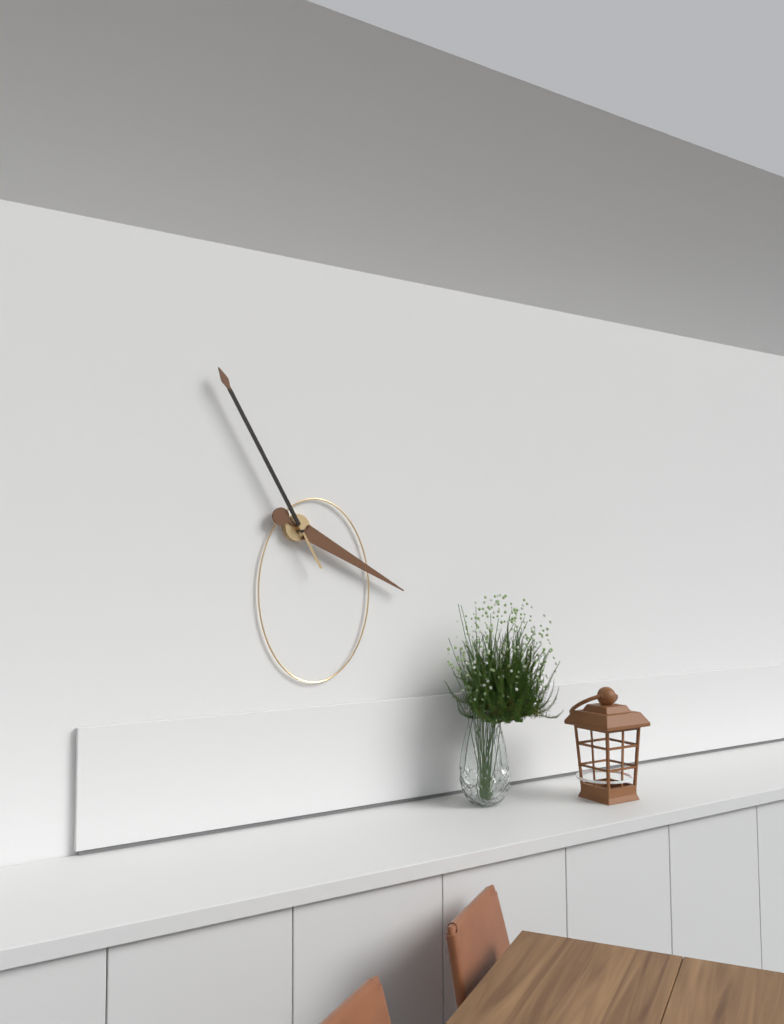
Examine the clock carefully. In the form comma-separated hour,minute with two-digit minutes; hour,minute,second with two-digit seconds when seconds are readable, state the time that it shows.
3,55
